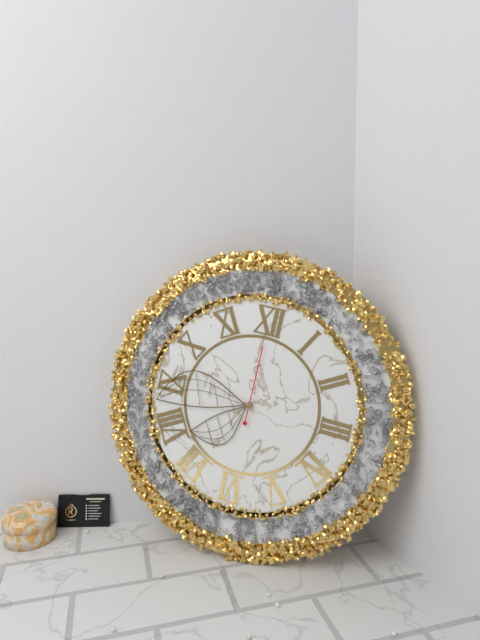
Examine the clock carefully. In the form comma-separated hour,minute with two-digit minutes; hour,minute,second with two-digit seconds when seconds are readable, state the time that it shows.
7,43,00
